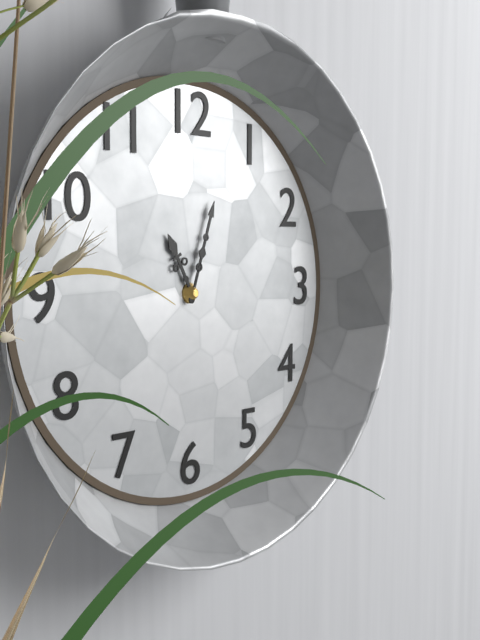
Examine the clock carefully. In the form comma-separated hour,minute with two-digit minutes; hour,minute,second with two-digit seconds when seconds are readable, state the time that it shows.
11,03
